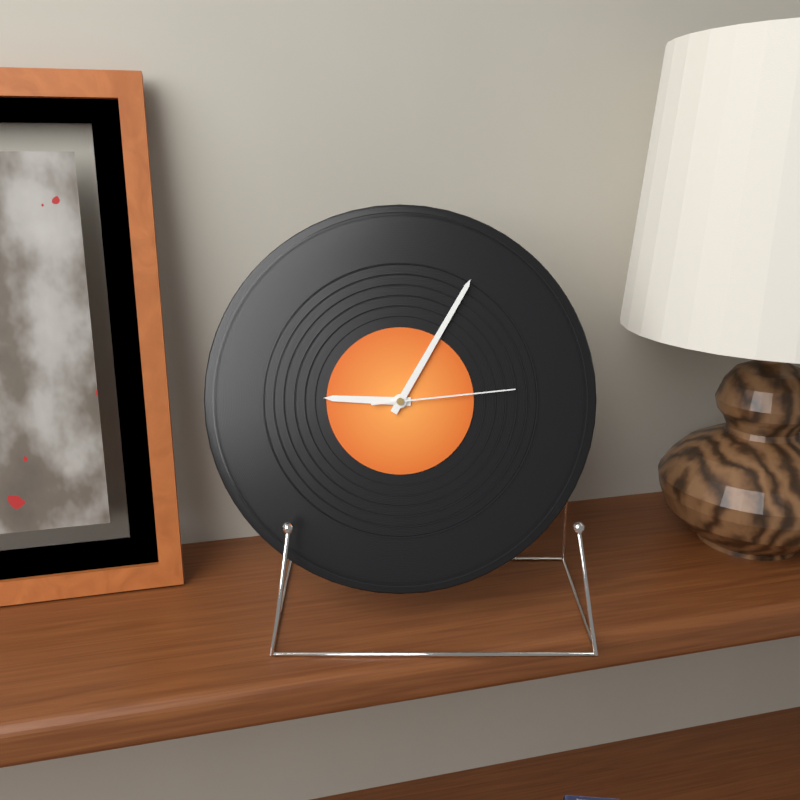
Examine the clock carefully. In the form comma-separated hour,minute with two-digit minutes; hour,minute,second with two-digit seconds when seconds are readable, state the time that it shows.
9,05,14
